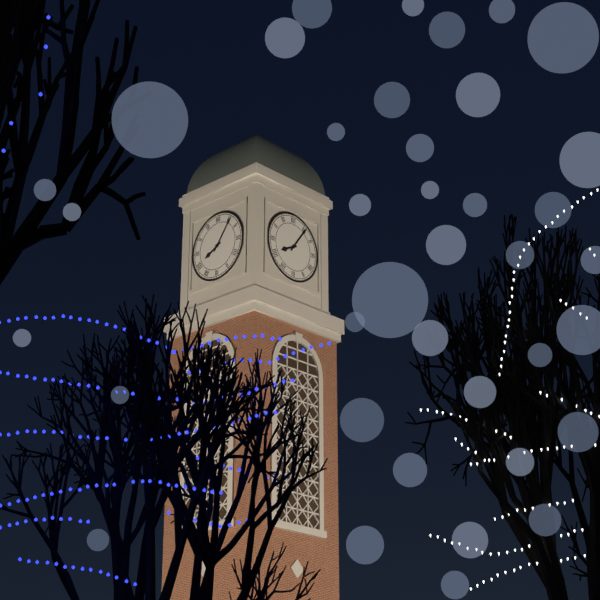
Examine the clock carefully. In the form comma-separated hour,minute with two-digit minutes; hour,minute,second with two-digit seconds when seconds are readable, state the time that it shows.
8,06
